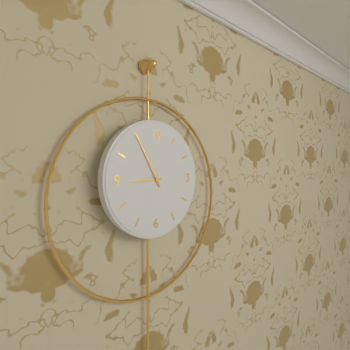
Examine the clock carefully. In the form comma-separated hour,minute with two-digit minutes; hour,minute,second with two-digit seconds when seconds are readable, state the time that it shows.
8,55
